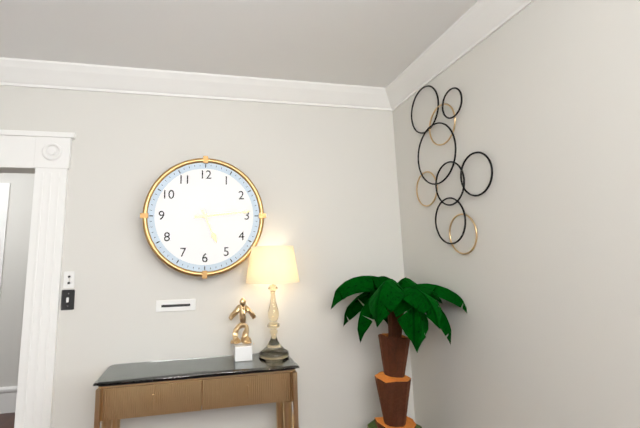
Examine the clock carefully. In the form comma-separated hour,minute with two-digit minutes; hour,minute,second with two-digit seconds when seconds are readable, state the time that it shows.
5,14
